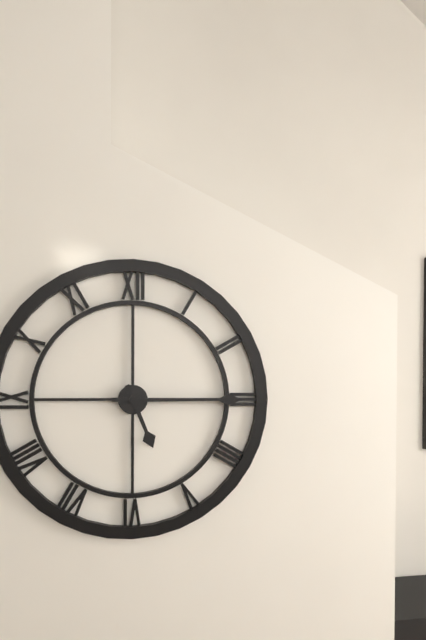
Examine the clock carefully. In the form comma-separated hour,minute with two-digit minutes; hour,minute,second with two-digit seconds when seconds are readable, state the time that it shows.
5,15
